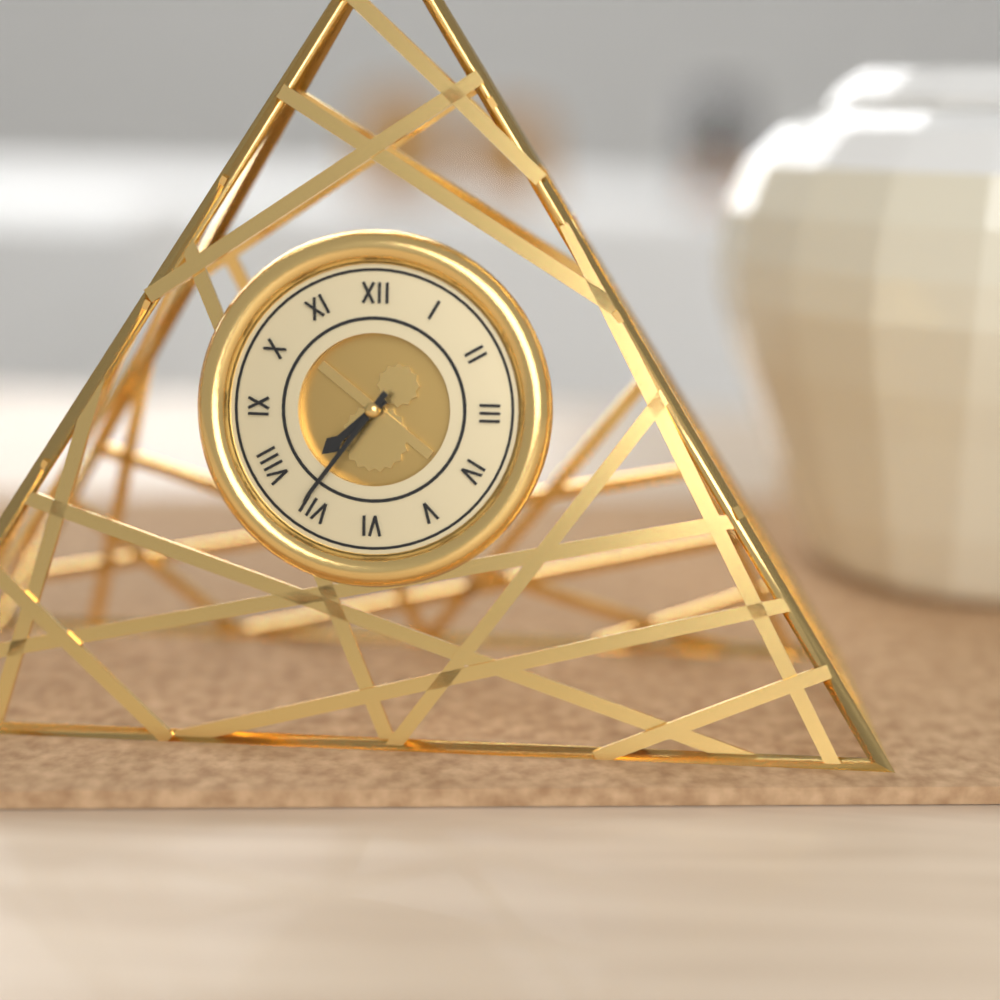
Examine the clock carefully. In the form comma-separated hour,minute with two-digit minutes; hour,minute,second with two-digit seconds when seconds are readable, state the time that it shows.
7,36
